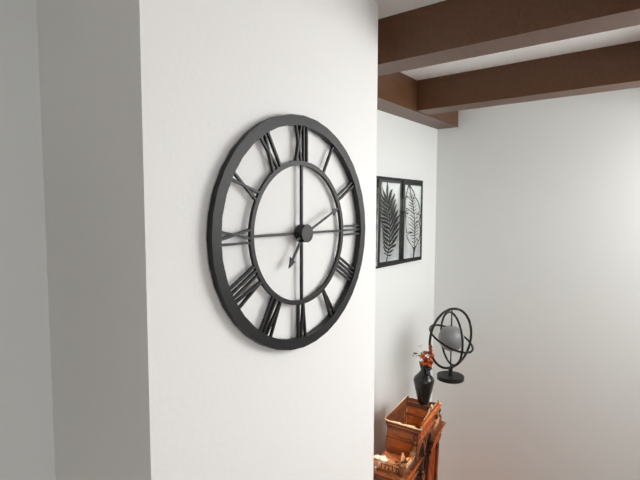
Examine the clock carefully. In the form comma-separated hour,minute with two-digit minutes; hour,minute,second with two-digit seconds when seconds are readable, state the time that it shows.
7,11
